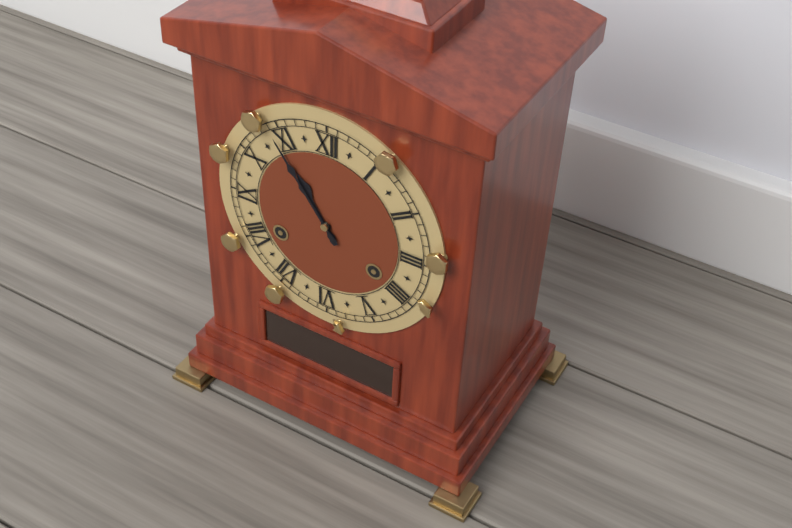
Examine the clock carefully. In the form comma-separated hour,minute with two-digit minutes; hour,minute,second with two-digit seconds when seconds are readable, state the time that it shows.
10,54
